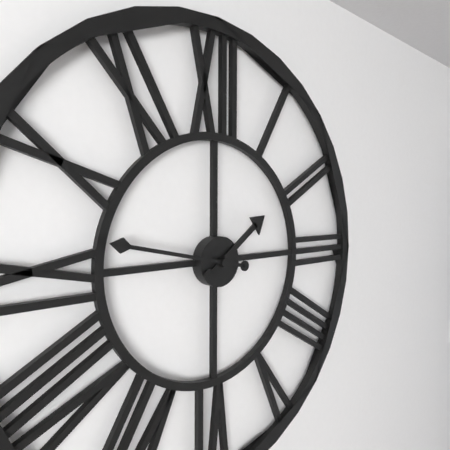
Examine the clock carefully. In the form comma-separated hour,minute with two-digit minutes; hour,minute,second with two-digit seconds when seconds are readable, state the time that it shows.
1,47
